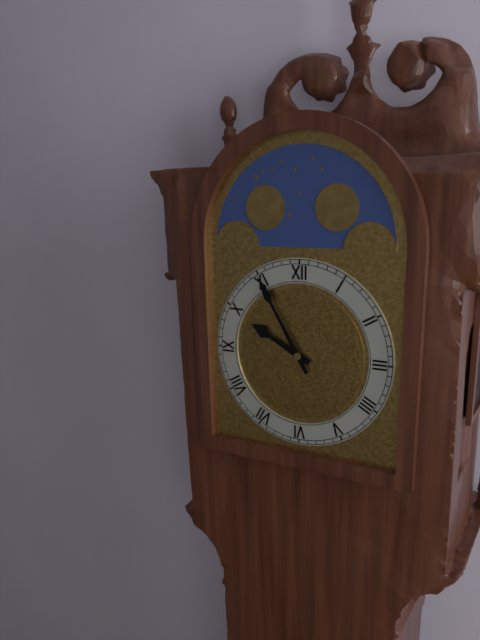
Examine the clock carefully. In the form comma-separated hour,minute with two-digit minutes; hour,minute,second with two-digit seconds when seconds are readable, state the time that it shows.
9,55
